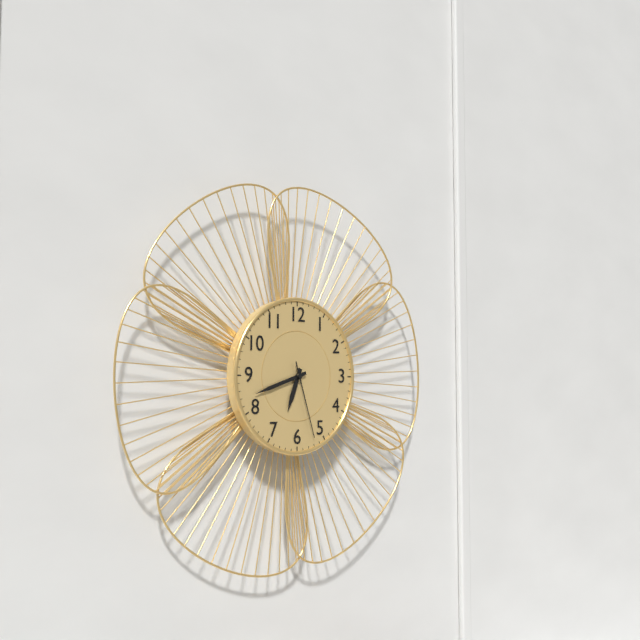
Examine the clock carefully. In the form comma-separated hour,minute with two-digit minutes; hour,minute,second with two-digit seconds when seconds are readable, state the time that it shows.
6,42,27
